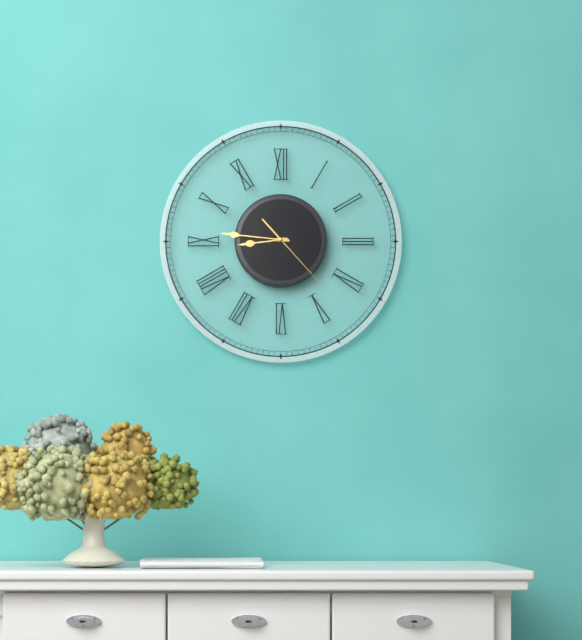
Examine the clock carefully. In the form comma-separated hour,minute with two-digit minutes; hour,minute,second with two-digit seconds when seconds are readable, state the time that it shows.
8,46,23
